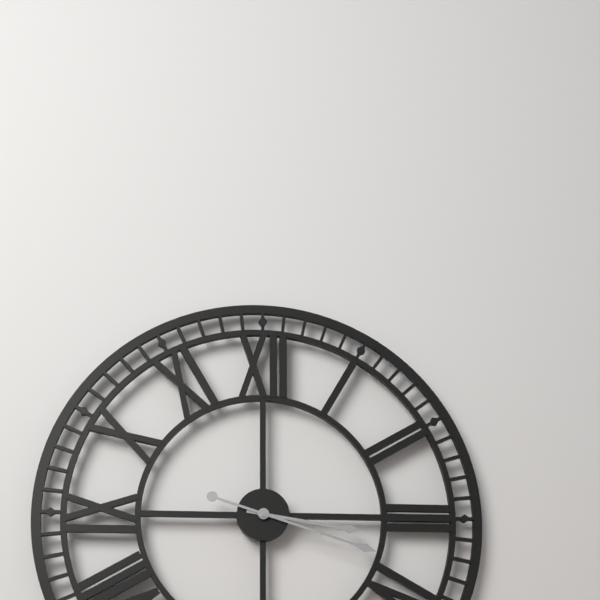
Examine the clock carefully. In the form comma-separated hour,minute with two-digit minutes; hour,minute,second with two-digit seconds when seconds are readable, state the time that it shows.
3,18
